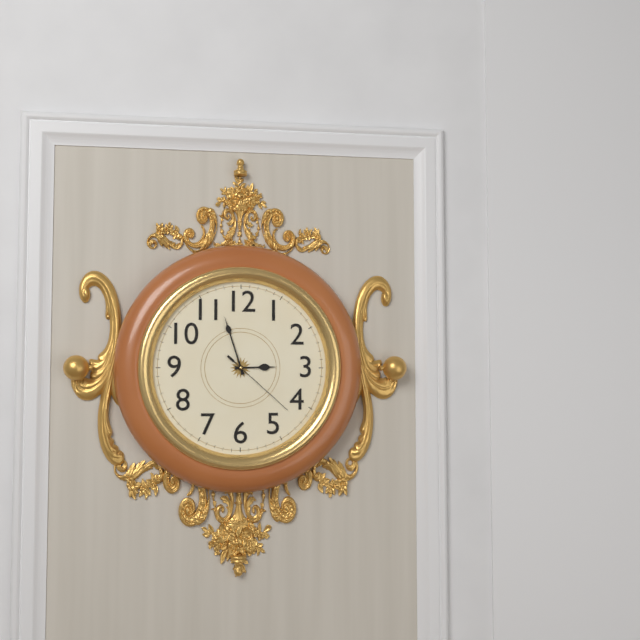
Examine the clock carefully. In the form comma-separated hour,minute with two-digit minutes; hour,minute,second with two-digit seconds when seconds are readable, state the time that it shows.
2,57,22
